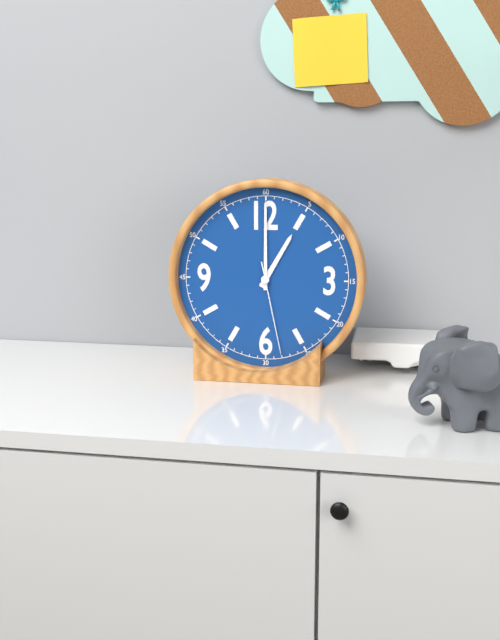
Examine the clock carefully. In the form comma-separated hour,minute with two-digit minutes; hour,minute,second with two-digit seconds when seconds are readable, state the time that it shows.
1,00,28
